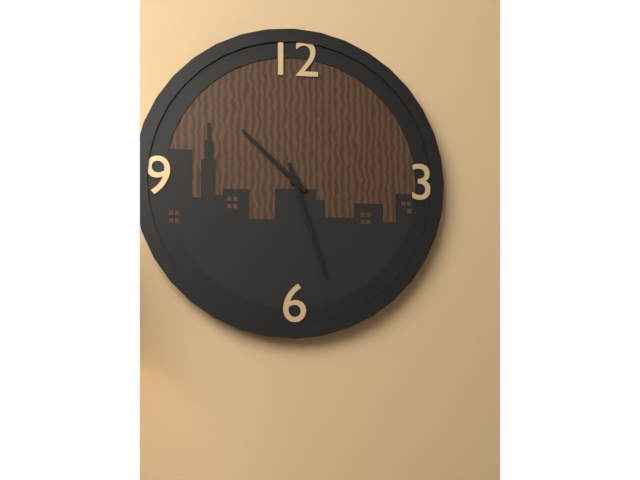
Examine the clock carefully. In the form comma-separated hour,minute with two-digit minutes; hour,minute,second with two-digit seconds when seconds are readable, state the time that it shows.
10,27
